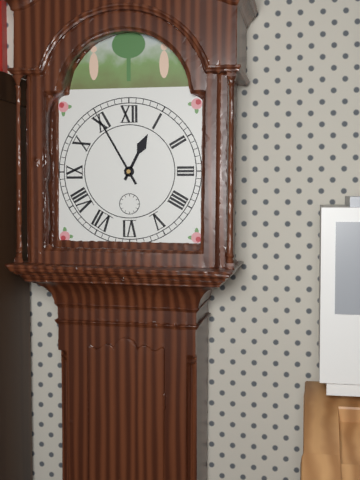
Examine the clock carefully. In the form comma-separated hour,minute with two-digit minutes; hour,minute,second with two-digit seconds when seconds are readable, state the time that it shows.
12,55
